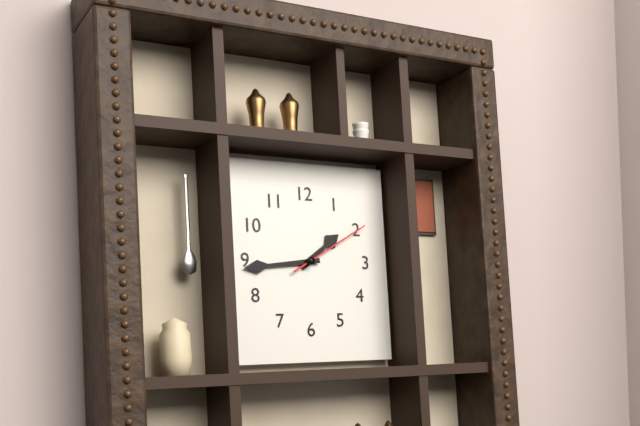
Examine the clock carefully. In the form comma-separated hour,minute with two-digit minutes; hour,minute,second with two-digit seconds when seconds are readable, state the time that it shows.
1,44,10
